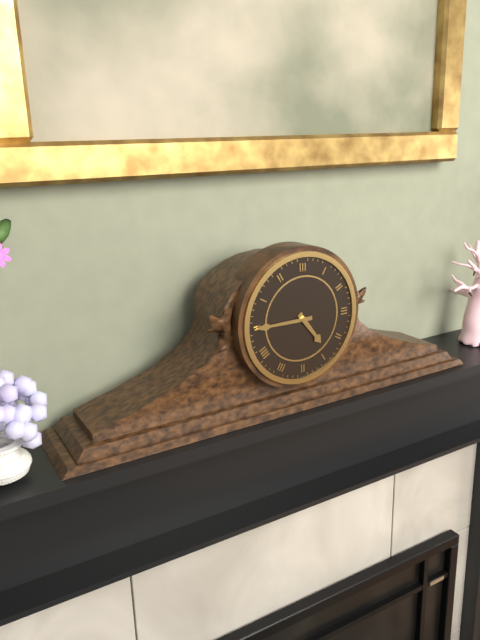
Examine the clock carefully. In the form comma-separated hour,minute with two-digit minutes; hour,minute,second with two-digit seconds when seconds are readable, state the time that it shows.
4,45
